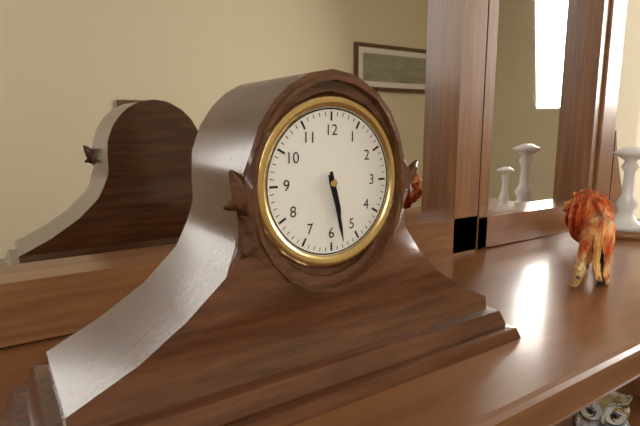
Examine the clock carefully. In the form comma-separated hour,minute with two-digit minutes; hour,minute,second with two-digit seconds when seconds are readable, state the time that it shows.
5,28
